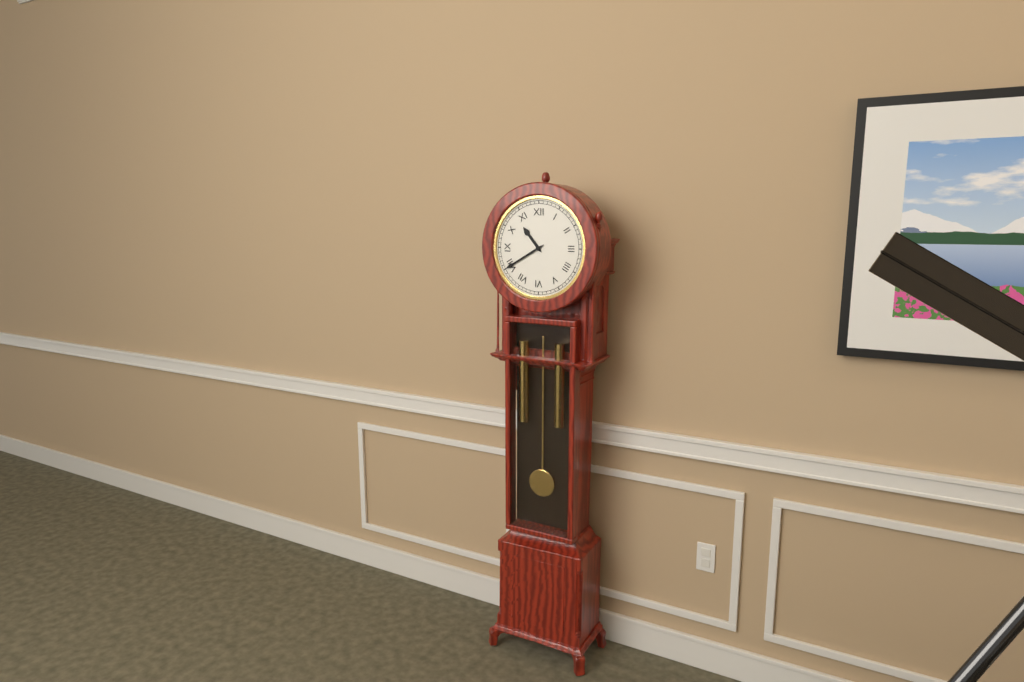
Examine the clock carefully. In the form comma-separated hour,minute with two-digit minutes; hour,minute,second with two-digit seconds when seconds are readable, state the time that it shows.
10,40
